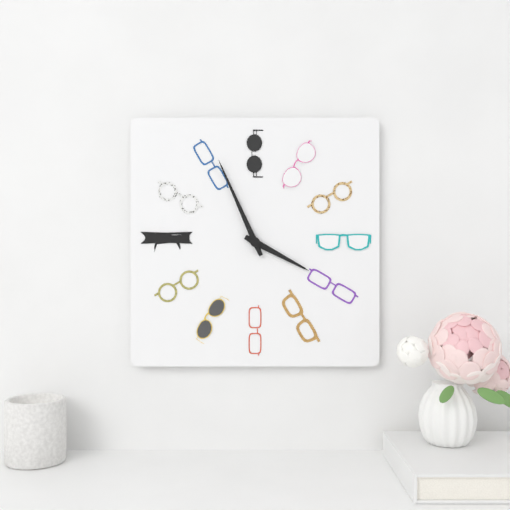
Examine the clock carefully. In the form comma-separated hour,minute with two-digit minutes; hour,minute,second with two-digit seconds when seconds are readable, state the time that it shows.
3,56
